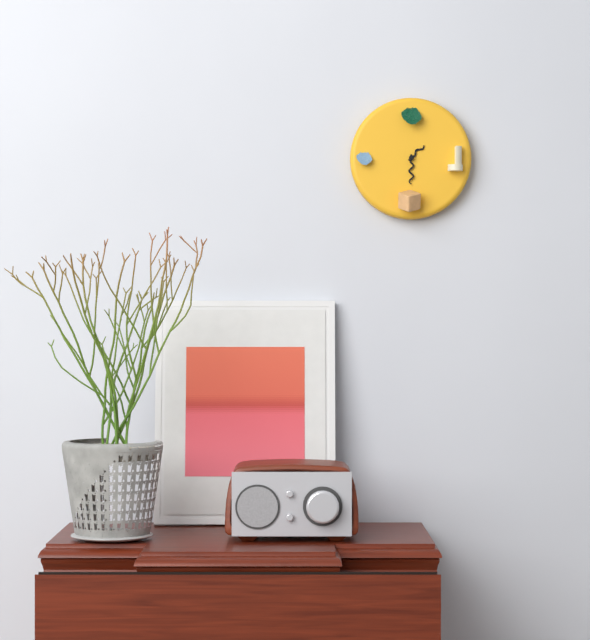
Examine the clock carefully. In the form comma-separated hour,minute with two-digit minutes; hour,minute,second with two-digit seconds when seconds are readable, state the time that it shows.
1,30
